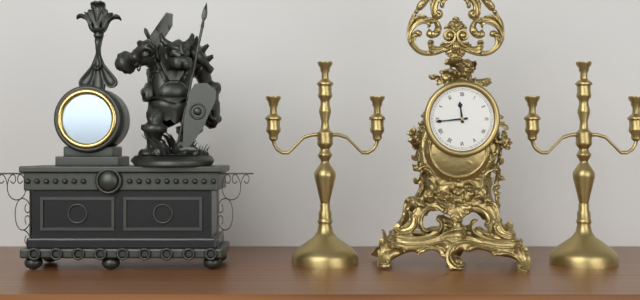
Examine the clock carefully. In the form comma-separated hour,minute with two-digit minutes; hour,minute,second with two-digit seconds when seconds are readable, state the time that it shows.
11,44
